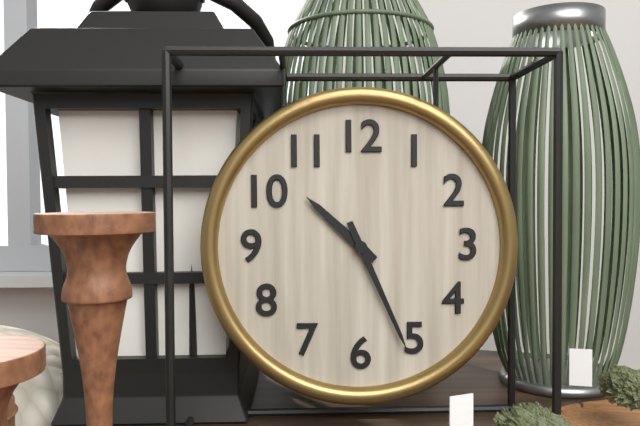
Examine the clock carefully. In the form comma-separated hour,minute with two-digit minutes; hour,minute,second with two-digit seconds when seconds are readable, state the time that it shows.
10,26
